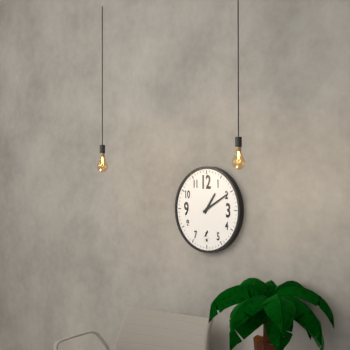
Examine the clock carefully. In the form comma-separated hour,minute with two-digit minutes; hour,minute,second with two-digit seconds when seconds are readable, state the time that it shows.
1,10
